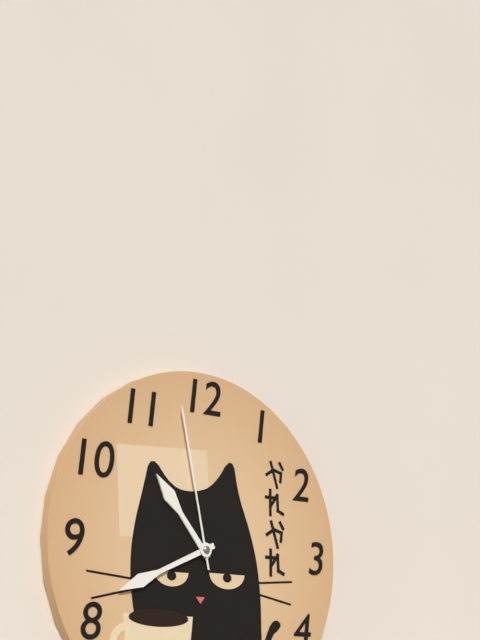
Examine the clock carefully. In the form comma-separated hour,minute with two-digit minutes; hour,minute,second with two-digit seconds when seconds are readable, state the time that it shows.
10,41,58
